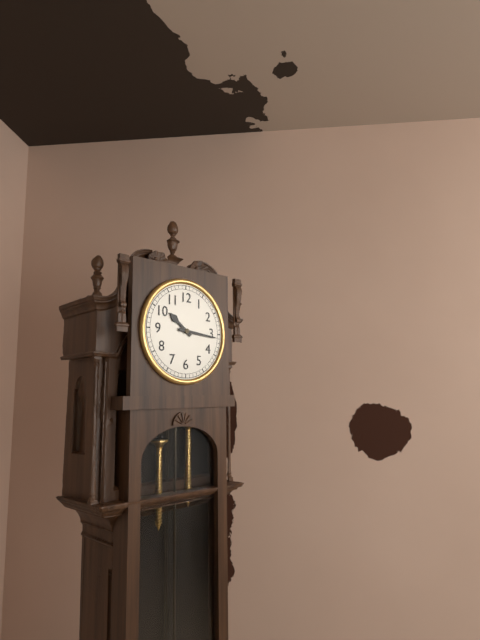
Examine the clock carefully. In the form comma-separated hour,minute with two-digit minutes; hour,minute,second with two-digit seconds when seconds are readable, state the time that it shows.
10,16
